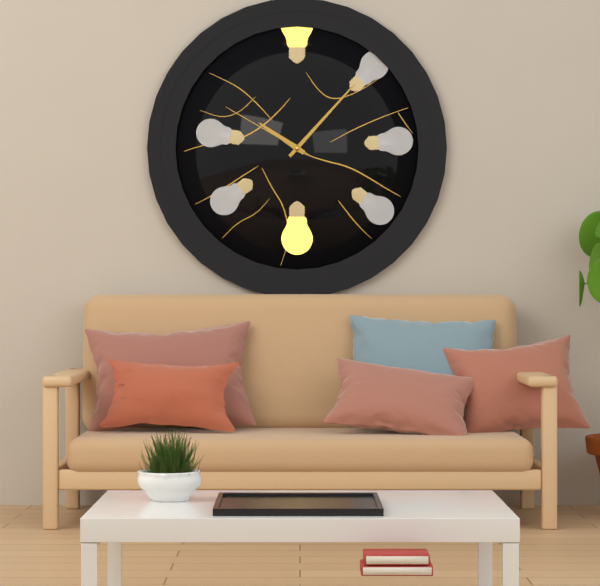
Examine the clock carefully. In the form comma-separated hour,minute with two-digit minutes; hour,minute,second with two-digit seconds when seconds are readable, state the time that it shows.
10,07,50
